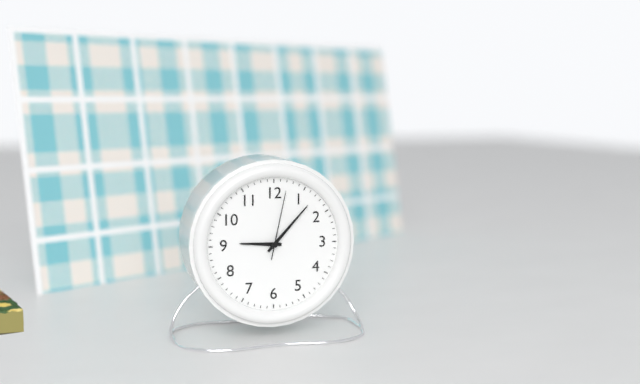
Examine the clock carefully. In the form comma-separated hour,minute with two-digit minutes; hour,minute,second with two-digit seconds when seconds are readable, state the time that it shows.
9,07,02
